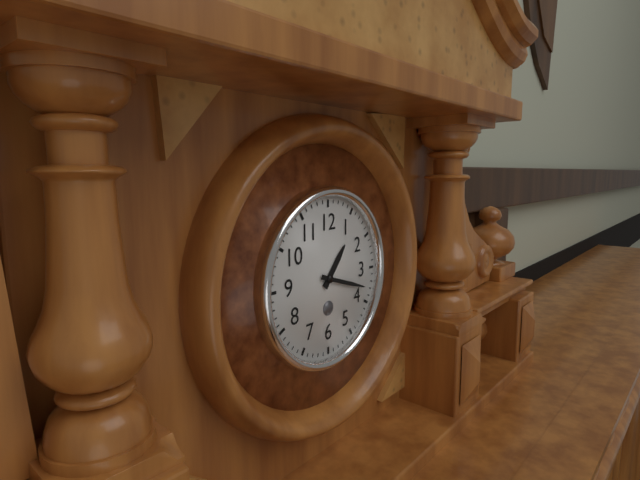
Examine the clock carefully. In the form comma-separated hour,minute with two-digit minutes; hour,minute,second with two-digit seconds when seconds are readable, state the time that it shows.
1,18
